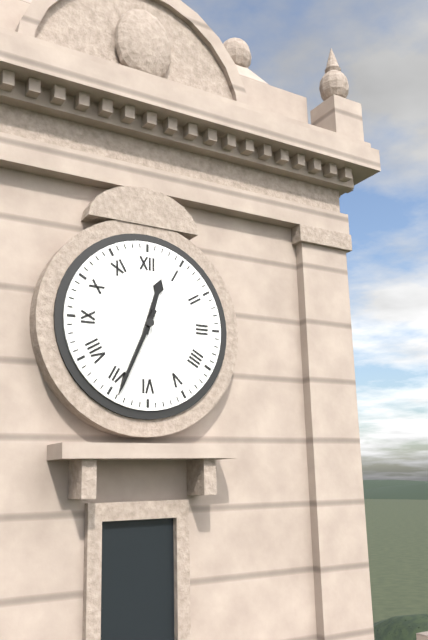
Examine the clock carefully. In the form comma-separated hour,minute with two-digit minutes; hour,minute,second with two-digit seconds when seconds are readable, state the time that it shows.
12,34
